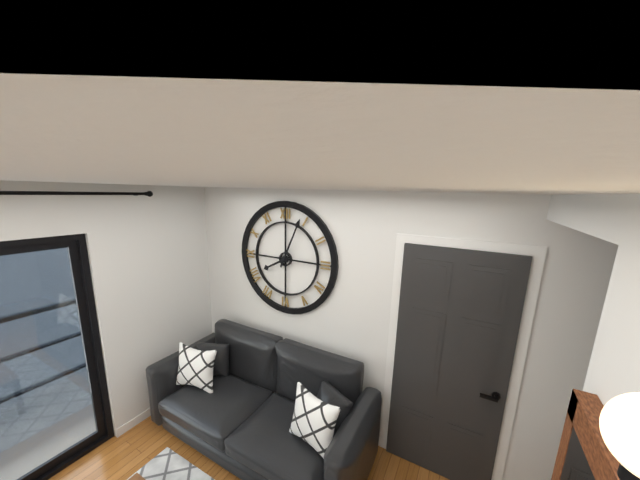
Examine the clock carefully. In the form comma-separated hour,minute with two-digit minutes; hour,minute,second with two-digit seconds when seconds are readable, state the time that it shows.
8,04
